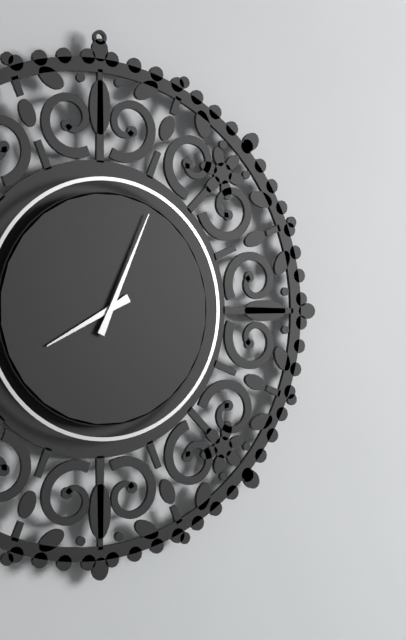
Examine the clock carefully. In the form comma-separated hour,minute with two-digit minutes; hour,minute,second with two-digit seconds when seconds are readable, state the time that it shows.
8,04
